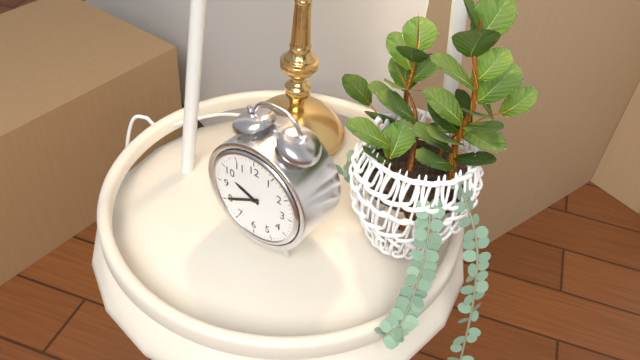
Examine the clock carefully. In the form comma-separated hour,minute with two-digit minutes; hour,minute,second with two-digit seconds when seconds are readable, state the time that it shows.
9,40
